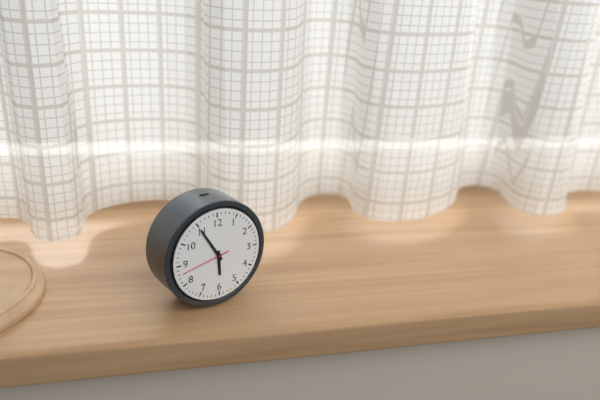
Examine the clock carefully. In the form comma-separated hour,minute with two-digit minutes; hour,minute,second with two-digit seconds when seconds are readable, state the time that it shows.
5,55,43
